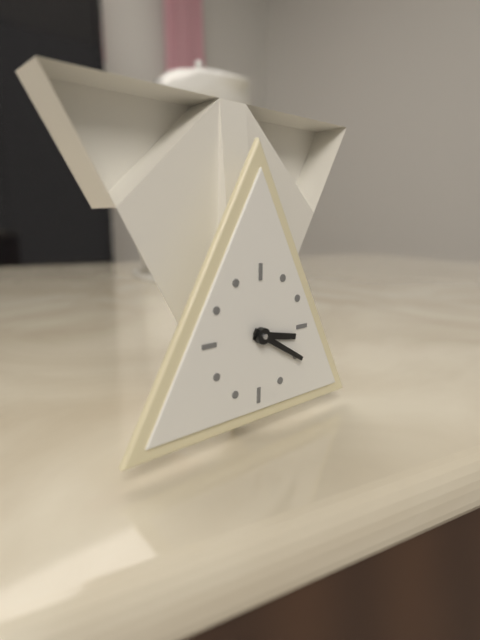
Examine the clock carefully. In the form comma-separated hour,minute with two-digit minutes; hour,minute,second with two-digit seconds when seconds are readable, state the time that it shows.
3,20
